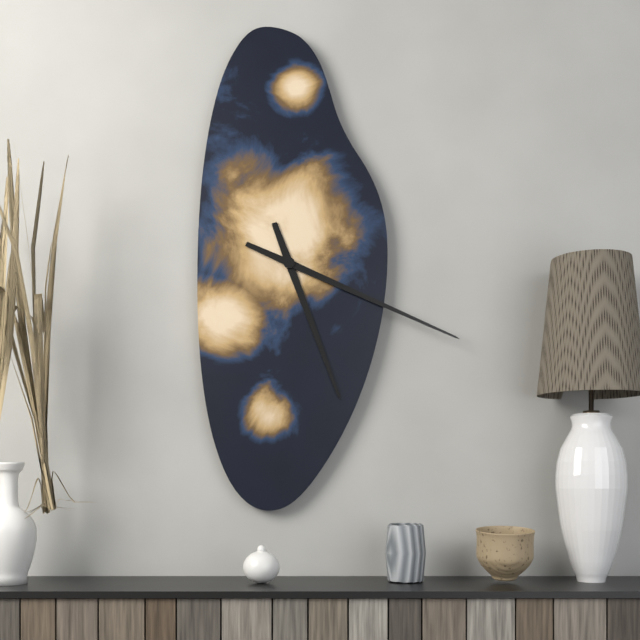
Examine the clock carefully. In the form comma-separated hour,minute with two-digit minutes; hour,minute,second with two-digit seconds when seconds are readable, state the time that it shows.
5,19
